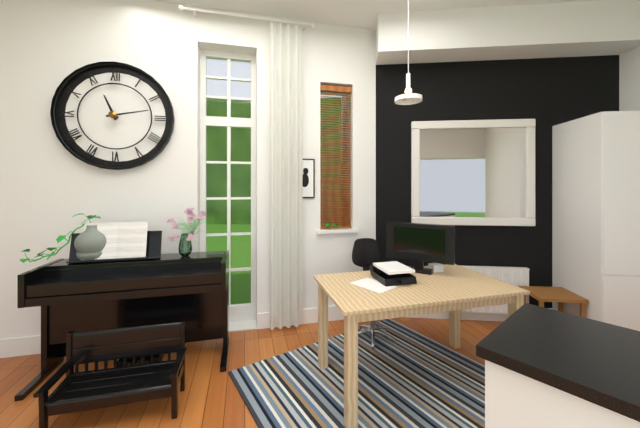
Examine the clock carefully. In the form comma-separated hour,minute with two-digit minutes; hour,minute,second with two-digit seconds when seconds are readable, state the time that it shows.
11,13
